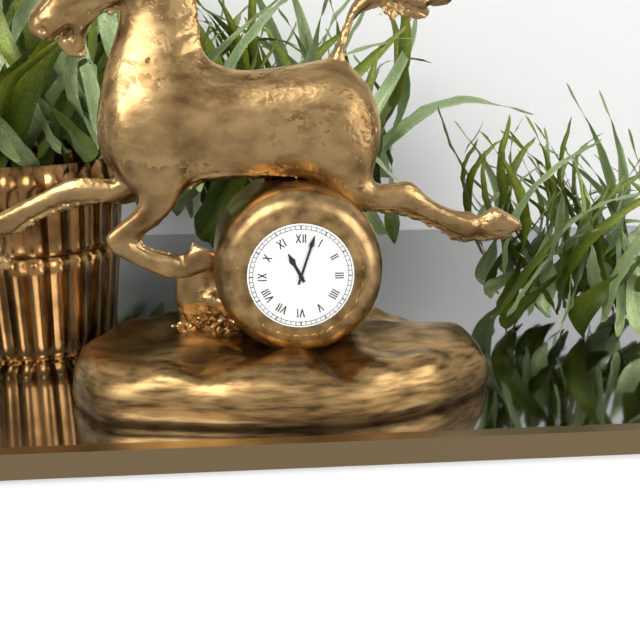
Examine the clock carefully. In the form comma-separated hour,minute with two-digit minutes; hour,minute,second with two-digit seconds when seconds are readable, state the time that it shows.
11,03
